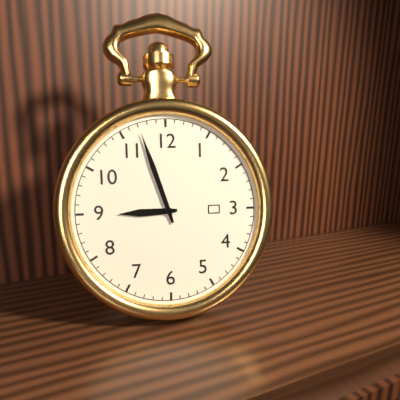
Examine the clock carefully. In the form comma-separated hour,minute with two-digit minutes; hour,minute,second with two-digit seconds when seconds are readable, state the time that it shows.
8,57
